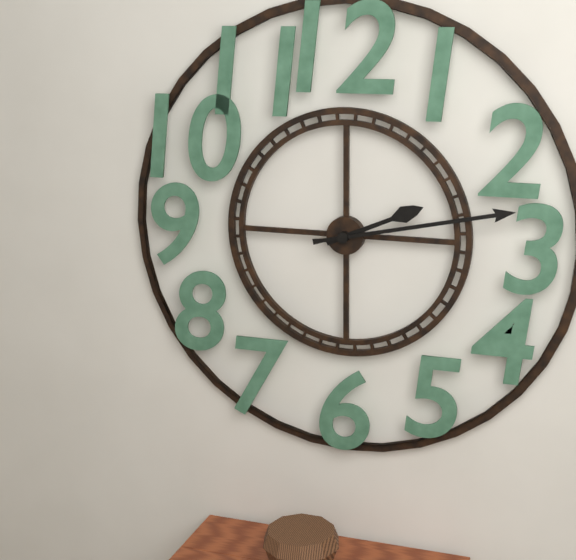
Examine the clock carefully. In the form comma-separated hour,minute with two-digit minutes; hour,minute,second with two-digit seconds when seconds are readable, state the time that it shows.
2,13
